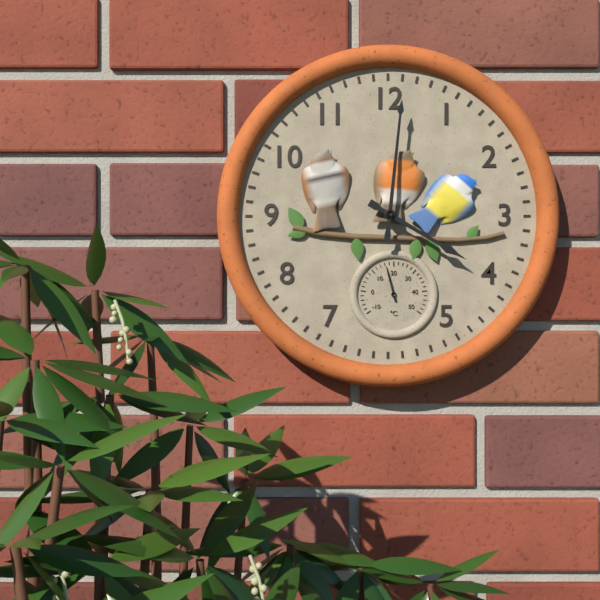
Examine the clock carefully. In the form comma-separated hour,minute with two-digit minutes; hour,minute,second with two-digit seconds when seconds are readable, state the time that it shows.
4,01
